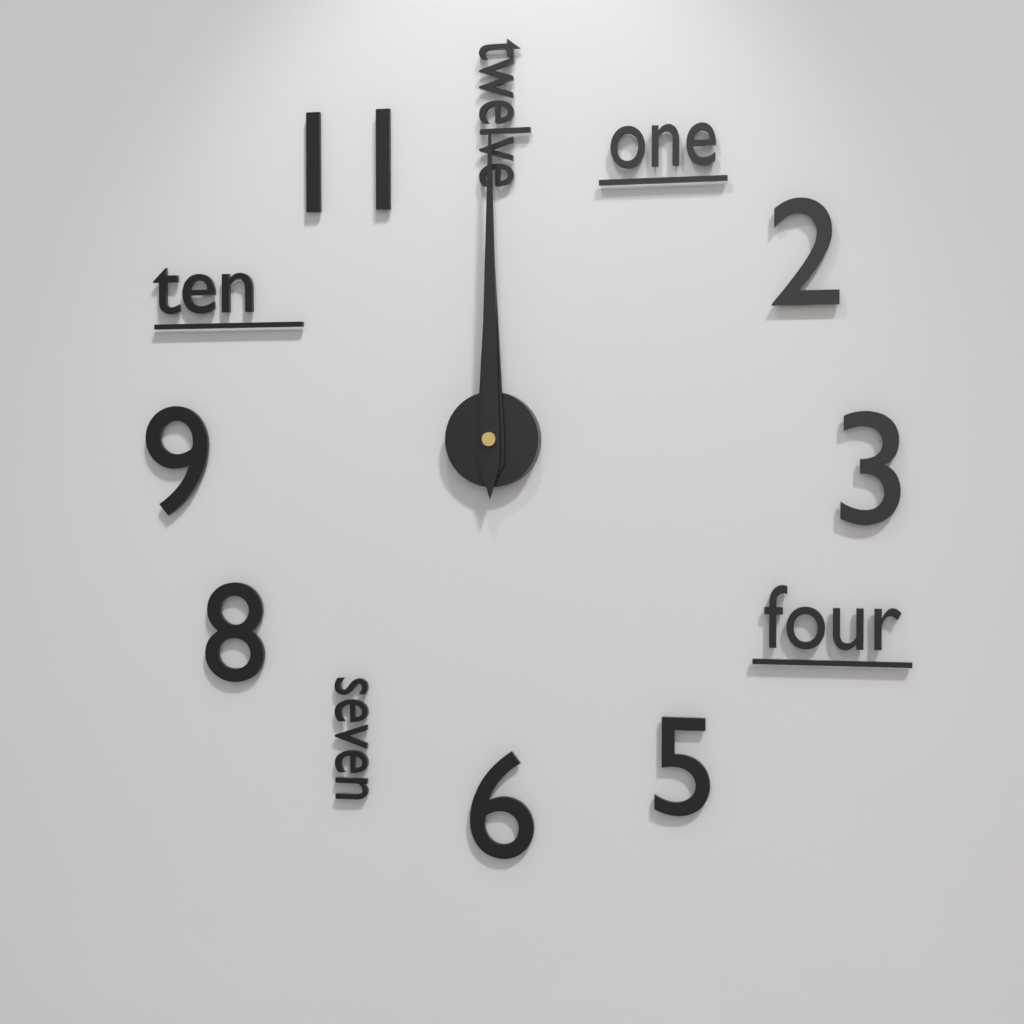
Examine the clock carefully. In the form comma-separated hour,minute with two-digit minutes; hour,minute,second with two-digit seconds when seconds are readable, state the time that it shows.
12,00
